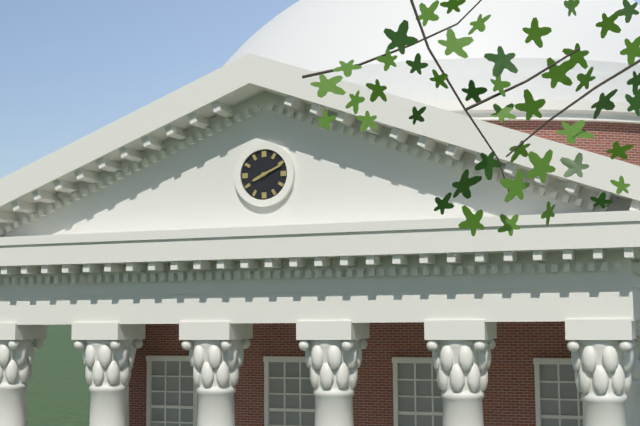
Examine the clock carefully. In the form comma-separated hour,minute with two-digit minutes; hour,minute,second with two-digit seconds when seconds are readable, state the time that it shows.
8,11
